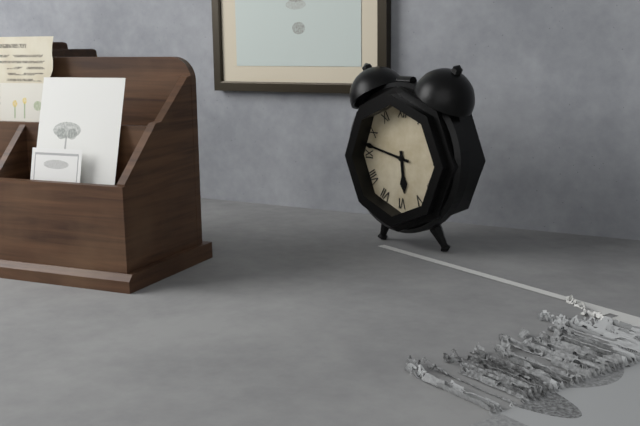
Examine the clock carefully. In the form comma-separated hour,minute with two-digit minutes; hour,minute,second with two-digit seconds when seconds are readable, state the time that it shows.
5,47
